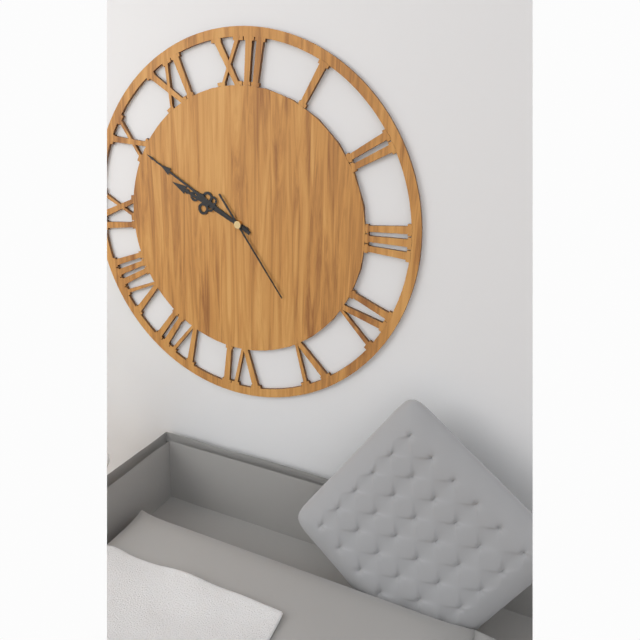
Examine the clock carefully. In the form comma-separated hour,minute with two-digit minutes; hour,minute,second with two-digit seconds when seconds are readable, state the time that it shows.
9,50,24
